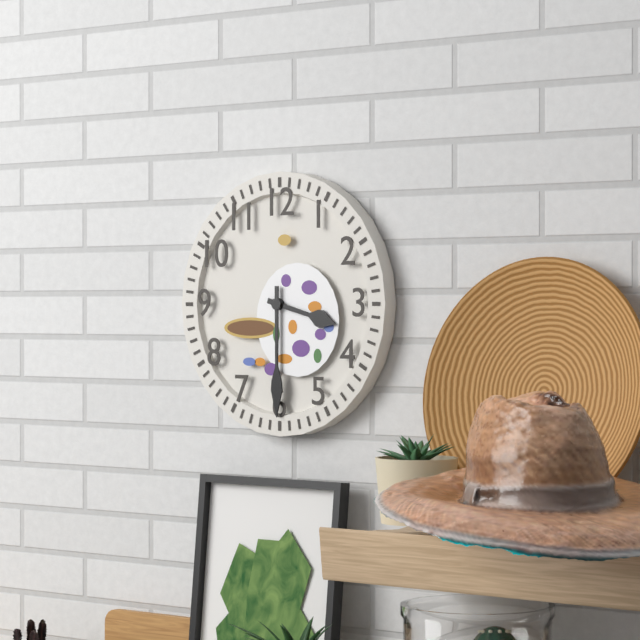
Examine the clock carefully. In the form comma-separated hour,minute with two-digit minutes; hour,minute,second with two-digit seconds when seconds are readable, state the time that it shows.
3,30
